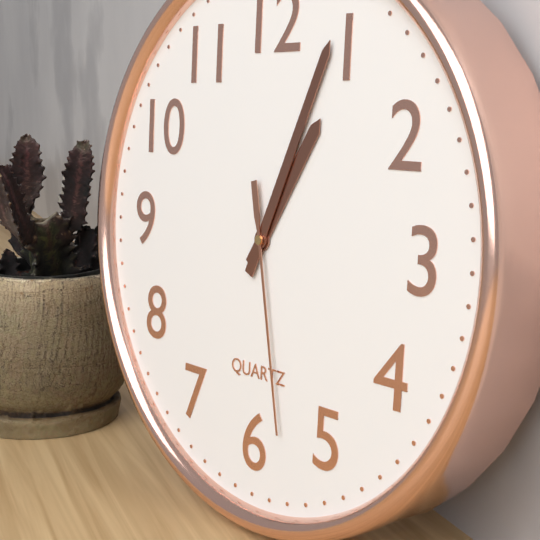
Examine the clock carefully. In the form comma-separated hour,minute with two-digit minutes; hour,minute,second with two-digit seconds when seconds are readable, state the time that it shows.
1,04,28
